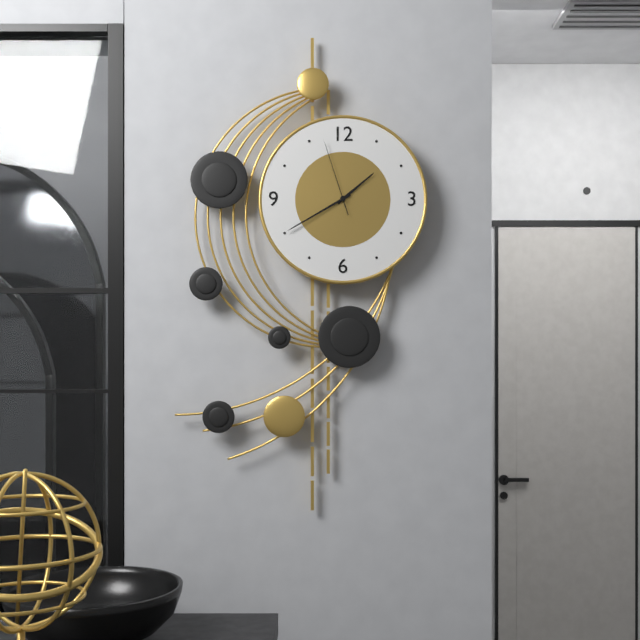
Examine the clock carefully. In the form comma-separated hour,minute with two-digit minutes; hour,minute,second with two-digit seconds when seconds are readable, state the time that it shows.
1,40,57
